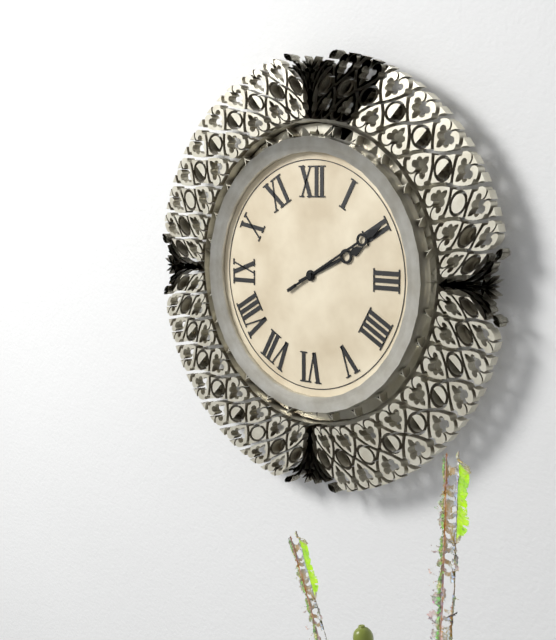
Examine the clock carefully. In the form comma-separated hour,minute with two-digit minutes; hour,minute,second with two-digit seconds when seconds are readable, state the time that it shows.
2,10
